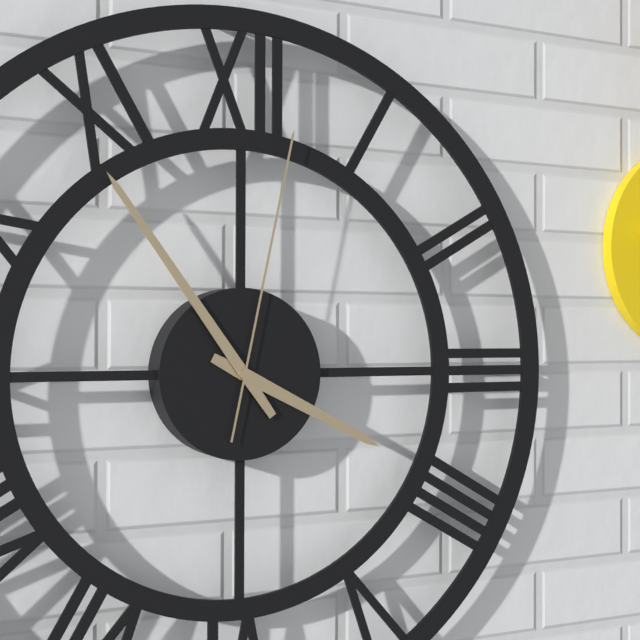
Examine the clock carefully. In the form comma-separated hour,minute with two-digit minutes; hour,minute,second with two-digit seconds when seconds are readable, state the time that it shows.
3,54,02
